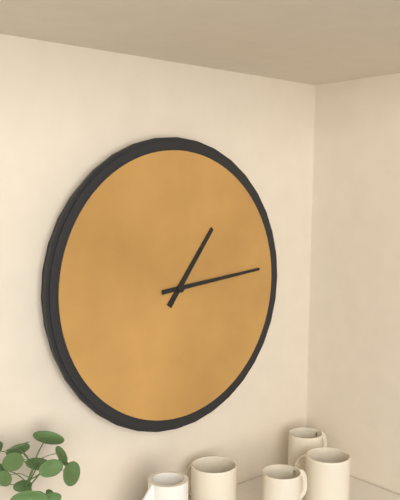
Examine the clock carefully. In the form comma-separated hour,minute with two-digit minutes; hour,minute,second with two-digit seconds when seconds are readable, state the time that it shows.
1,14
